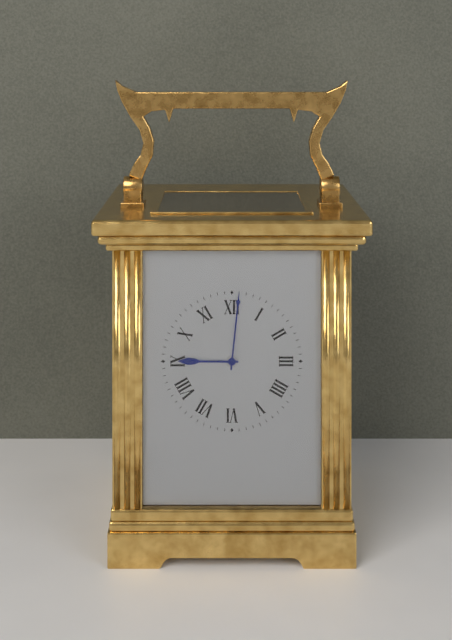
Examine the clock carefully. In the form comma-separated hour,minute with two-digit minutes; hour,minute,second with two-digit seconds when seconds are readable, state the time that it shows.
9,01
